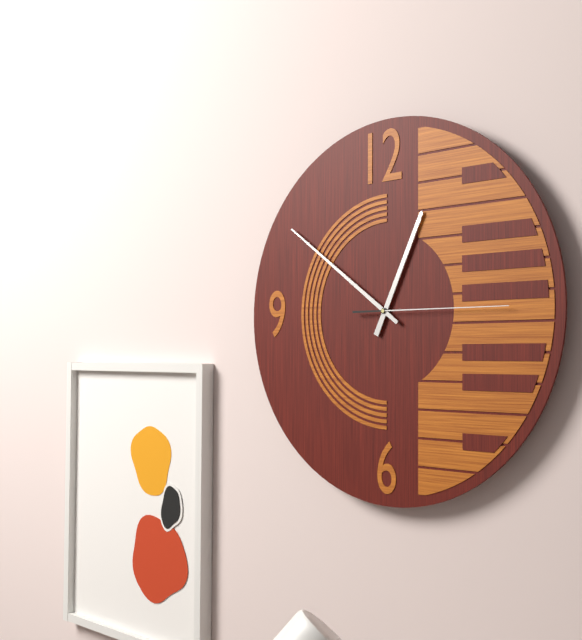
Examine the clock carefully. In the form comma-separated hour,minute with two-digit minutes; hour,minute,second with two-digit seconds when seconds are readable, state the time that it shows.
12,51,15
